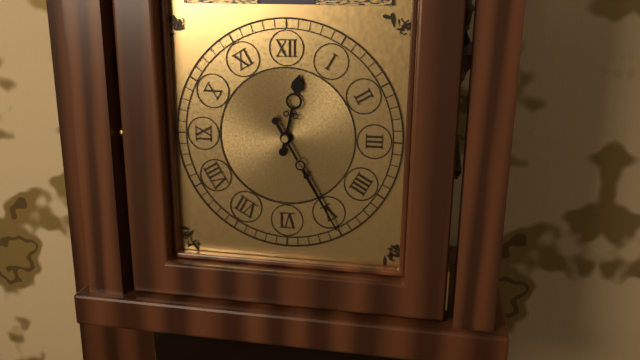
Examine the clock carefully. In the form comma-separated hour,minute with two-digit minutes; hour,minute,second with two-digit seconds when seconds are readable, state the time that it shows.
12,25
